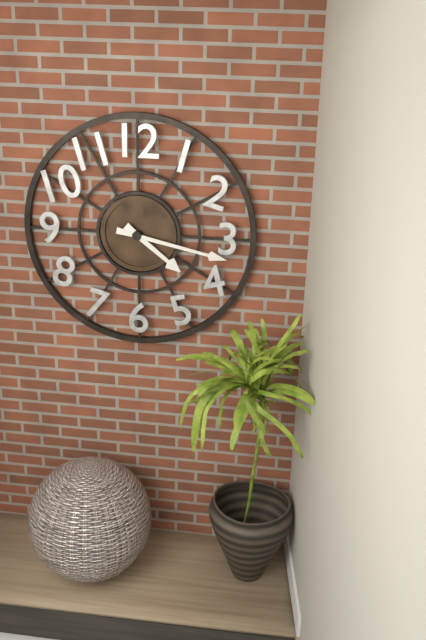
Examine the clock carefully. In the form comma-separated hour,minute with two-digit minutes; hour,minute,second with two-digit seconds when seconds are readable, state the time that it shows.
4,17
